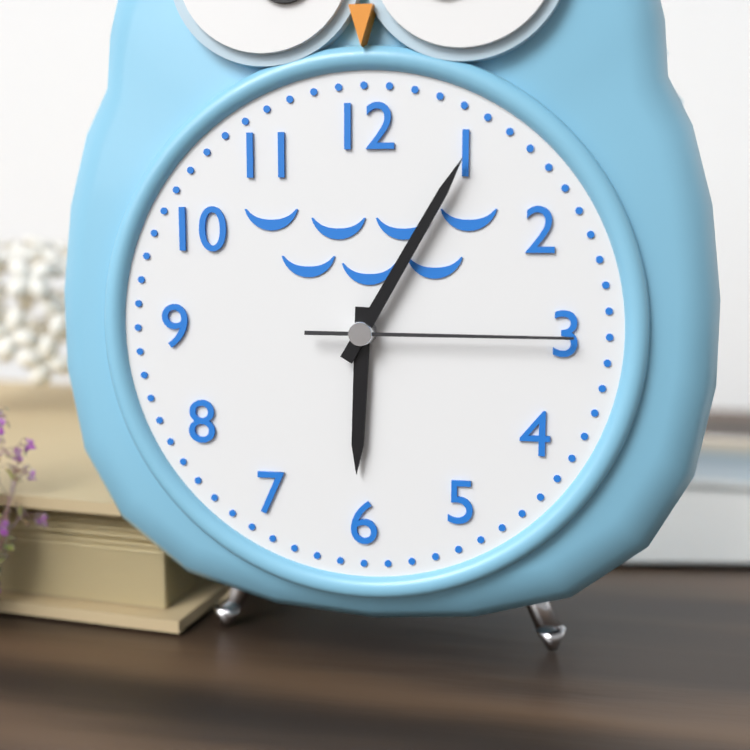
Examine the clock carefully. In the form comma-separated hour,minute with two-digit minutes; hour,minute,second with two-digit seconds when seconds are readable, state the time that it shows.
6,05,15
